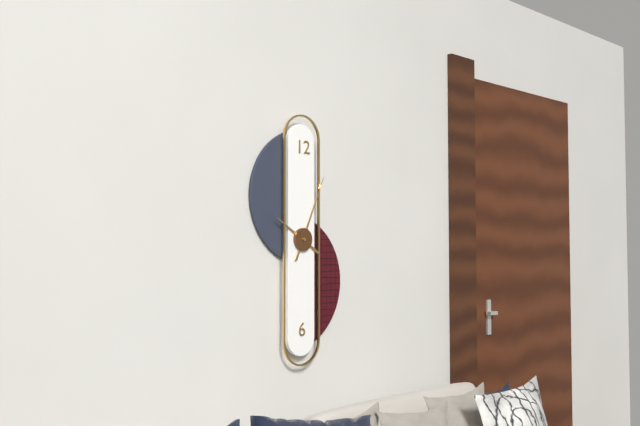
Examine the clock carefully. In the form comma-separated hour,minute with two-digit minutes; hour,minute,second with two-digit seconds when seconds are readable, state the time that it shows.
10,04
